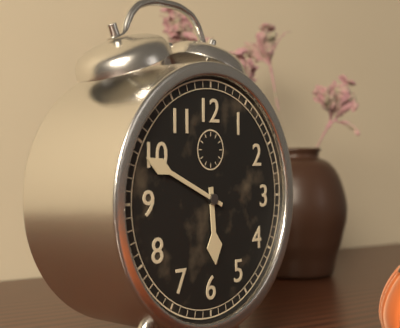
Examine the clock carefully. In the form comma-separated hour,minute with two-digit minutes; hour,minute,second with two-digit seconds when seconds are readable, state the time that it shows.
5,49
